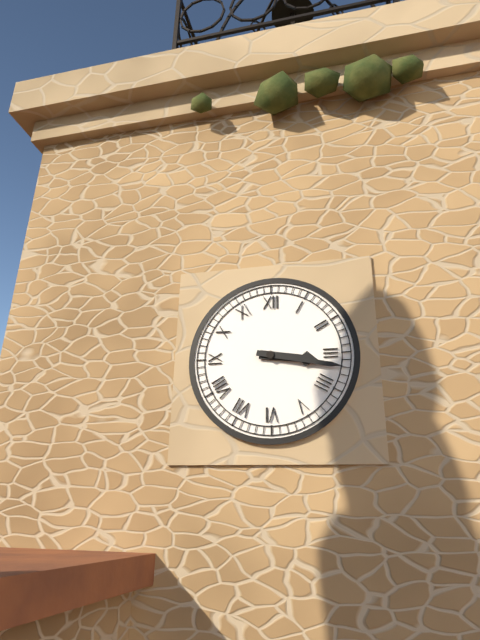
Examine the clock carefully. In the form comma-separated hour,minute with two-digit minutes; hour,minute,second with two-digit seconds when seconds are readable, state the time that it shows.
3,17
